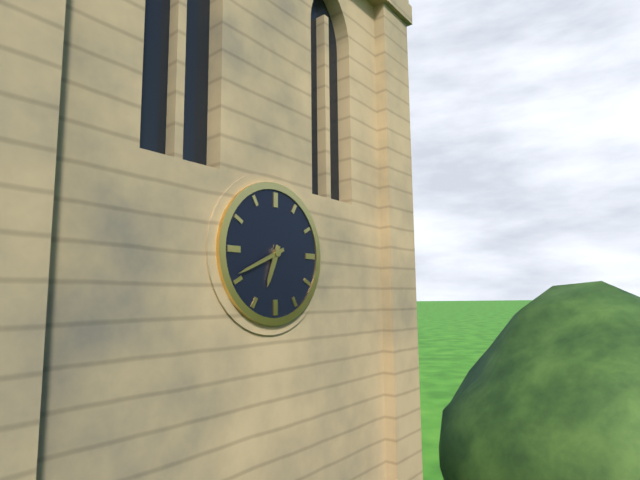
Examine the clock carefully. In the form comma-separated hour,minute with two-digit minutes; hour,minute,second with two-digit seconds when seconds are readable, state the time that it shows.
6,41
